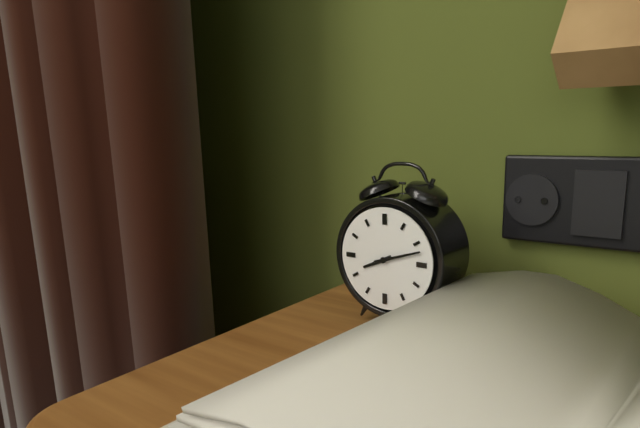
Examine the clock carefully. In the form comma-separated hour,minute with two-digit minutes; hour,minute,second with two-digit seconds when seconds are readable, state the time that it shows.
8,12
